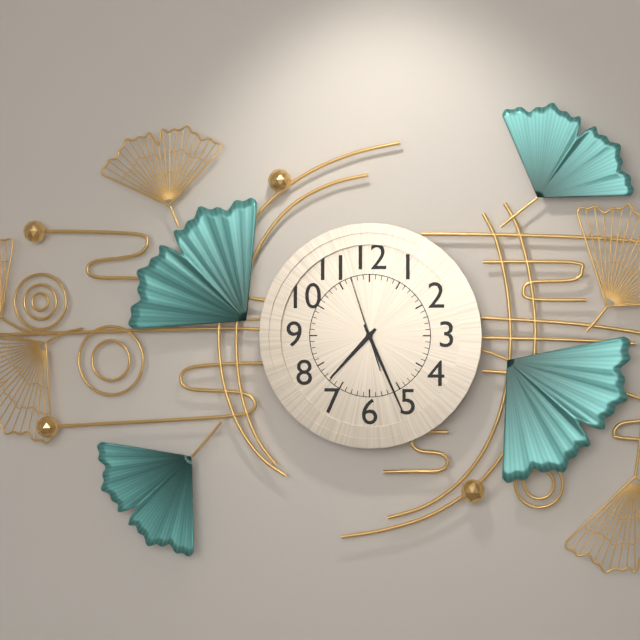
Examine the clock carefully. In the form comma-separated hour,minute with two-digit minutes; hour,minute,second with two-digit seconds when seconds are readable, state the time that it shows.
7,26,57
